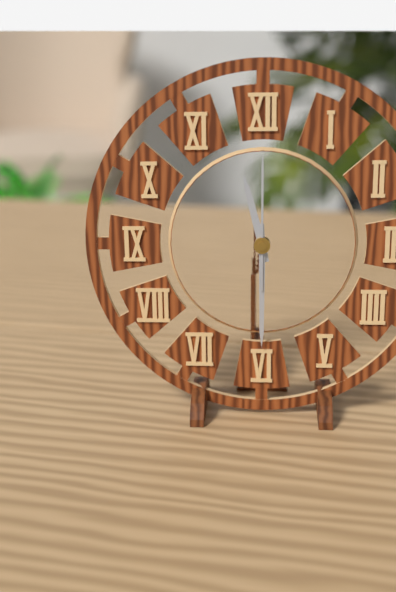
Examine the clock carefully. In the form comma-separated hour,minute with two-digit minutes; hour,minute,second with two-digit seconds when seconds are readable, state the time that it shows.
11,30,00
